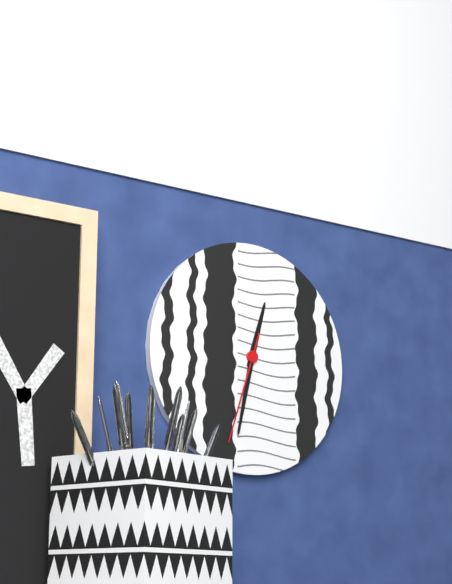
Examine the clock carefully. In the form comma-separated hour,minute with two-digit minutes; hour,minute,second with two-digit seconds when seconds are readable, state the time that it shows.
12,32,33
